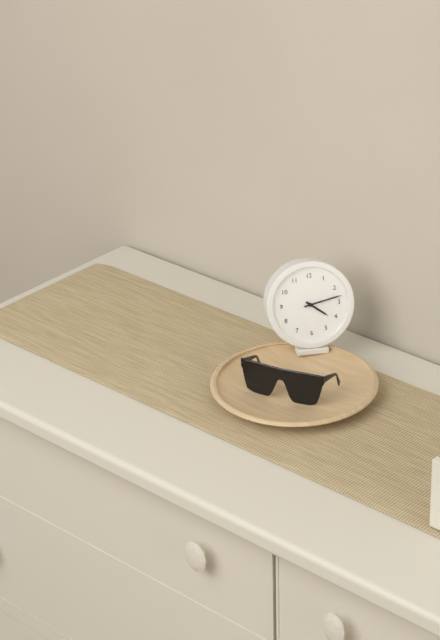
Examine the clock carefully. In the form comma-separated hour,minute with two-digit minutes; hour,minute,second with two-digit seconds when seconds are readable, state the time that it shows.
4,13
